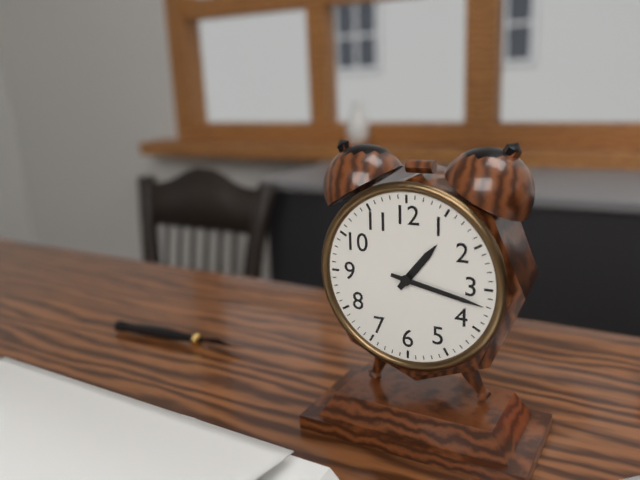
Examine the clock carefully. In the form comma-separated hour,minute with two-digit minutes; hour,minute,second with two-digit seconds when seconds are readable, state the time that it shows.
1,17
